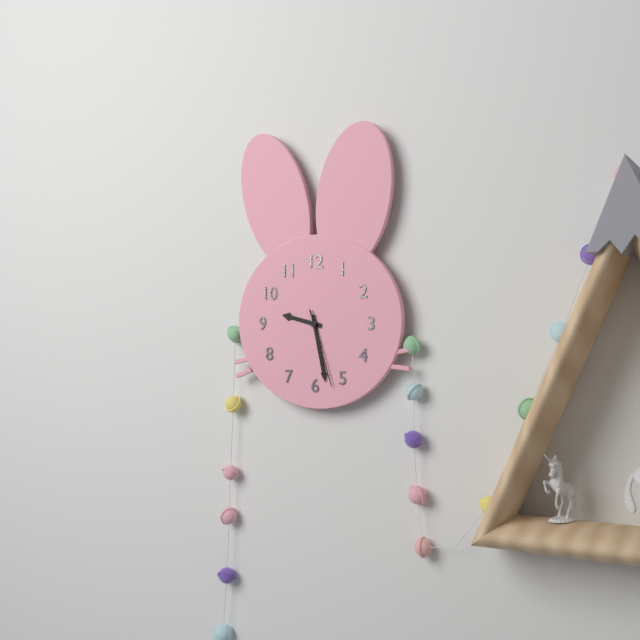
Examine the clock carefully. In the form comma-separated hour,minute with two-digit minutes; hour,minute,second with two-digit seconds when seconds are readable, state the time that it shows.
9,28,27
